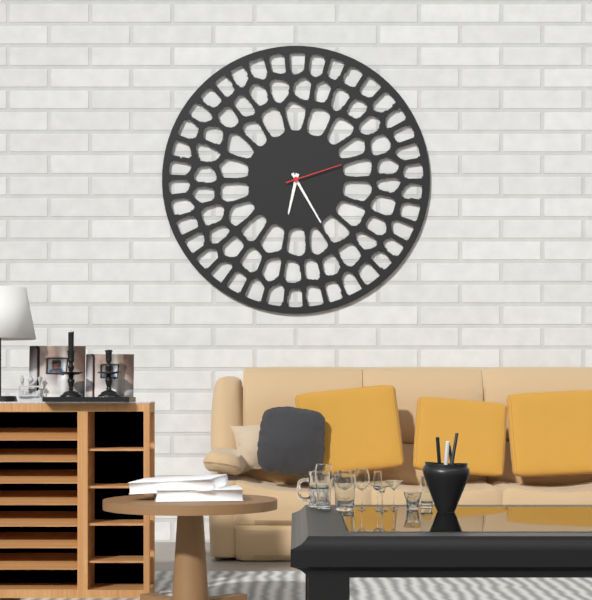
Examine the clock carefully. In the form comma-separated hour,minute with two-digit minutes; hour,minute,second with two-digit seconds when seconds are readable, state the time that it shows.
6,25,12
